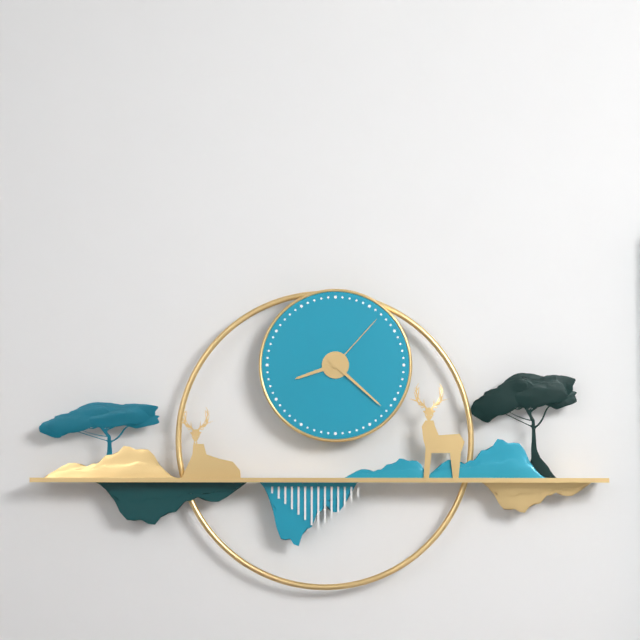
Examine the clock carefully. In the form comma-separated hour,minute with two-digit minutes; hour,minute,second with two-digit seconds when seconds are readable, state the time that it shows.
8,22,07
